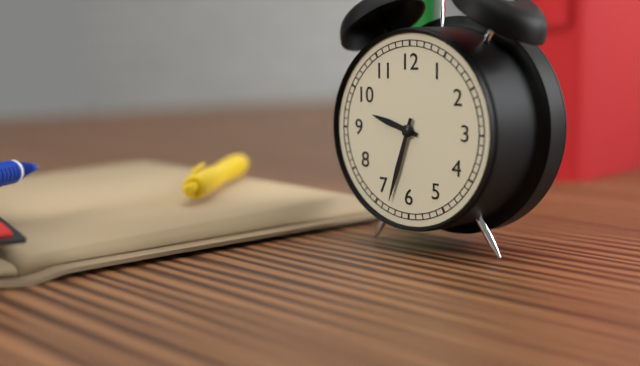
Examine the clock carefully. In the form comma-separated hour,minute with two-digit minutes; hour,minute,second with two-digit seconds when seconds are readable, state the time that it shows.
9,33
